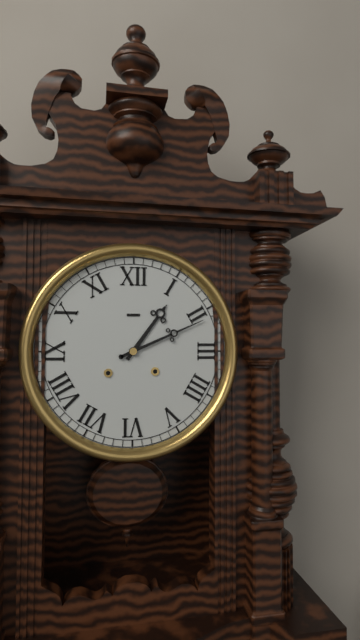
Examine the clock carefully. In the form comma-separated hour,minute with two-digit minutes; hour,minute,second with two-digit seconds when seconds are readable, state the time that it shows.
1,11
